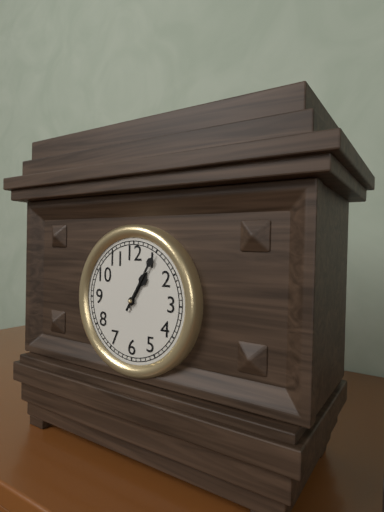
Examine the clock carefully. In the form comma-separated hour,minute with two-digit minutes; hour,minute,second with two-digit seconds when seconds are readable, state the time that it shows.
1,05
